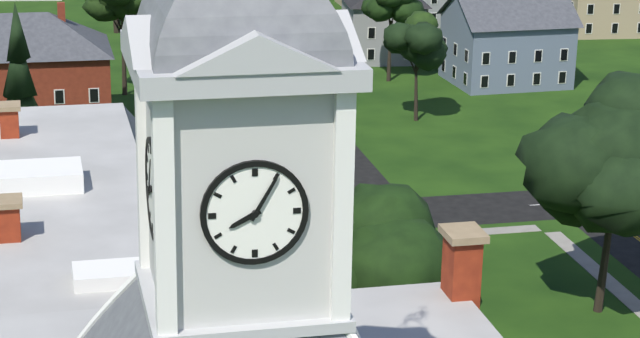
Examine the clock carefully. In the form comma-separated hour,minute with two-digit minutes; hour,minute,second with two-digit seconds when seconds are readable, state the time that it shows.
8,05
